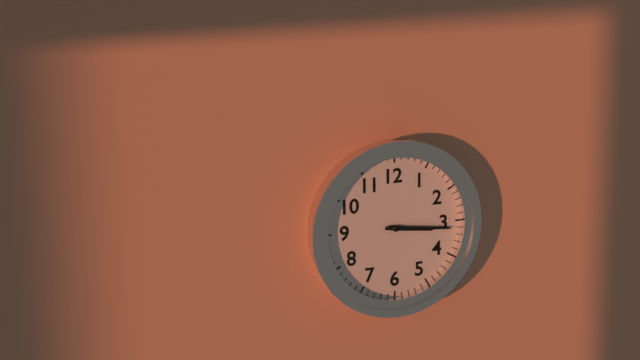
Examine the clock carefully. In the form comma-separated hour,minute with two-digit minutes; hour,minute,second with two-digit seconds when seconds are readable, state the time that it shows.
3,16
